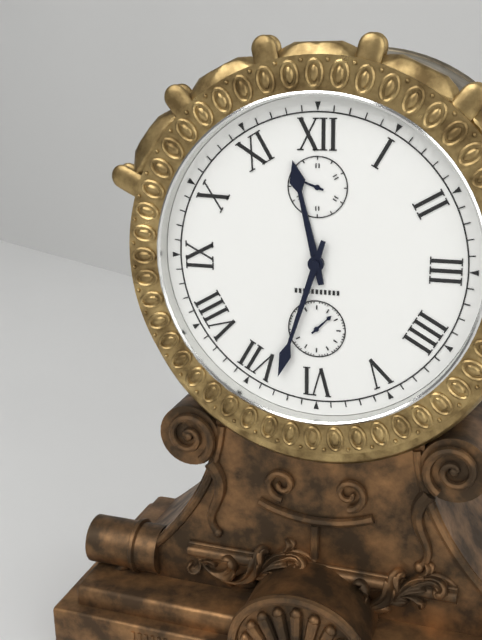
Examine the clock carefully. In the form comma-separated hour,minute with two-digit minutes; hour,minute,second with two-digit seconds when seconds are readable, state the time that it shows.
11,33
